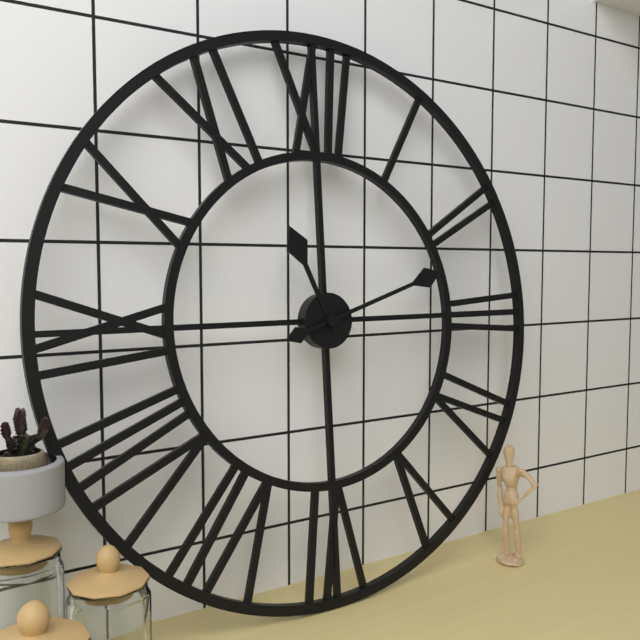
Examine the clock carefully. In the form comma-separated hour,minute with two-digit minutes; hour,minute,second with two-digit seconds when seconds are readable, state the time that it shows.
11,12
